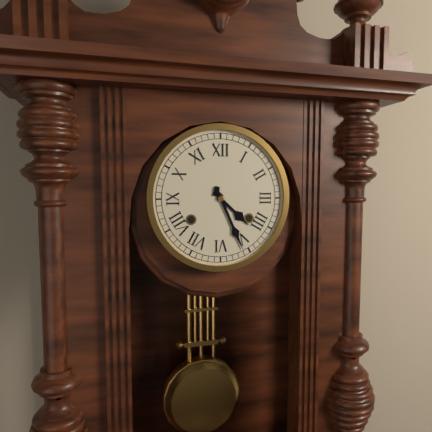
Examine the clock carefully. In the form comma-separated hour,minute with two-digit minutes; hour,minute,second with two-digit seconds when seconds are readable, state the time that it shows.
4,26
